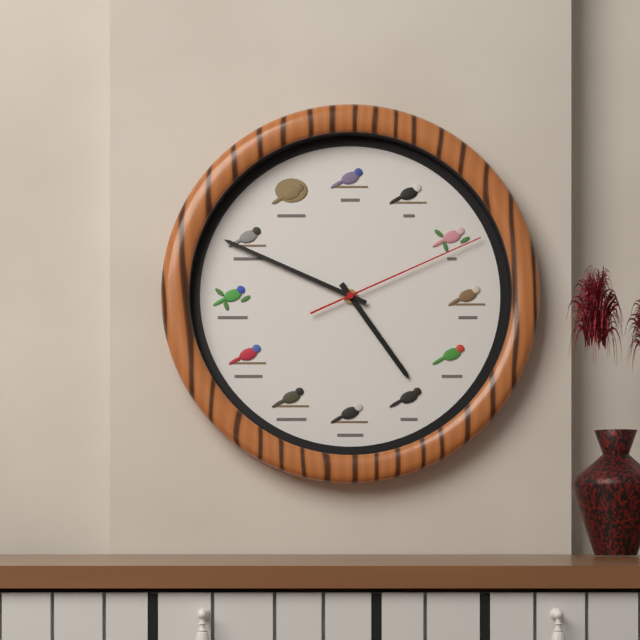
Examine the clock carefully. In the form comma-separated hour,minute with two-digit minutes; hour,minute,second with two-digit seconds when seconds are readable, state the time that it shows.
4,49,11
